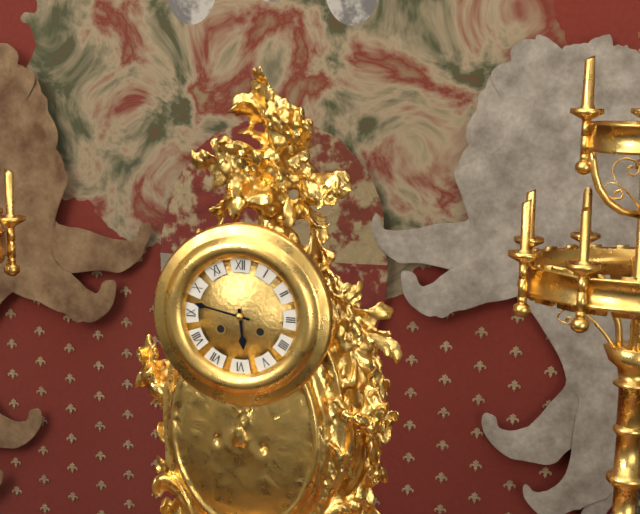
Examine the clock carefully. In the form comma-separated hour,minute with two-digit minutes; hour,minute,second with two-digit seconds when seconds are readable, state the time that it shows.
5,47
